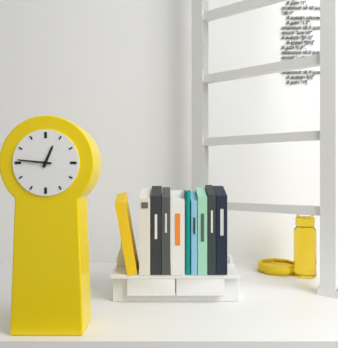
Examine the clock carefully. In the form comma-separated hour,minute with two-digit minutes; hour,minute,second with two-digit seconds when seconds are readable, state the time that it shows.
12,46
